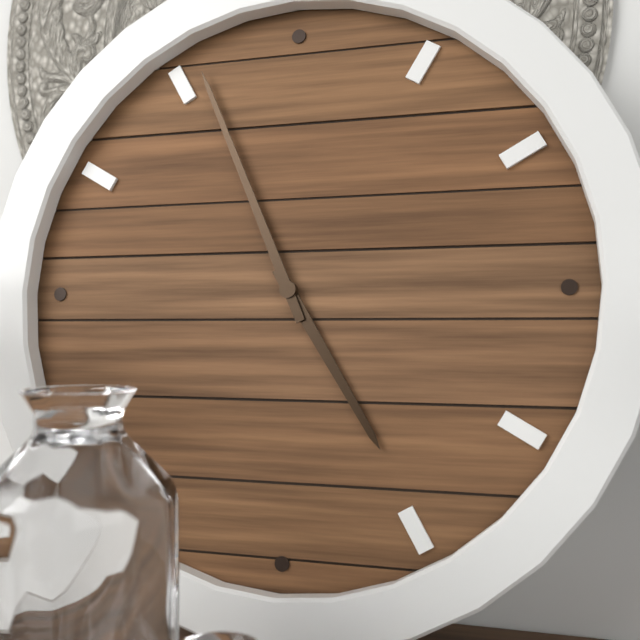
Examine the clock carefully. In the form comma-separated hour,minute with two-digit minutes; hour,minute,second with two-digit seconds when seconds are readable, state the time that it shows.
4,56
